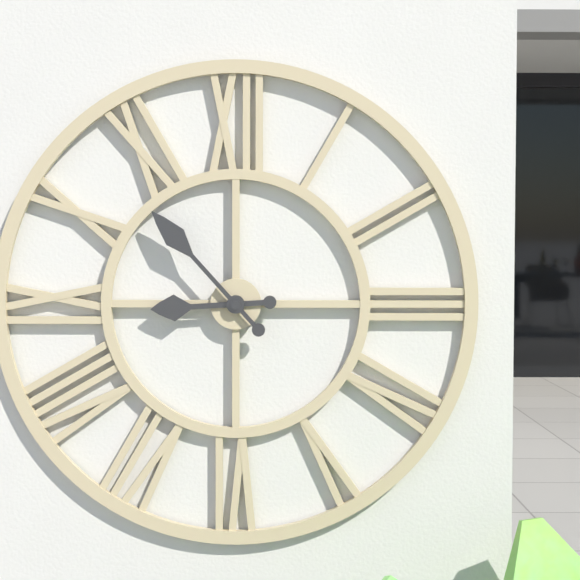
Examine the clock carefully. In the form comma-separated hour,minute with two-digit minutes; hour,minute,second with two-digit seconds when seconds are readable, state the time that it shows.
8,53
